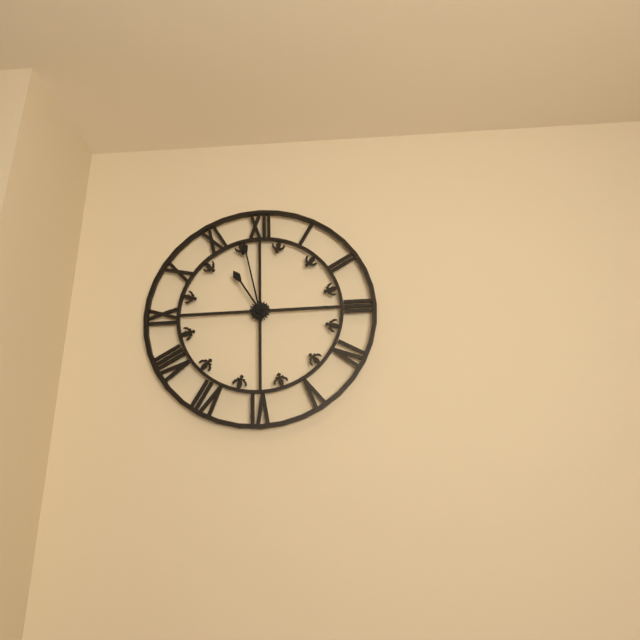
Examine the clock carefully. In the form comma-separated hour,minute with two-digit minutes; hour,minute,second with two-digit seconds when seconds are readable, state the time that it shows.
10,58
